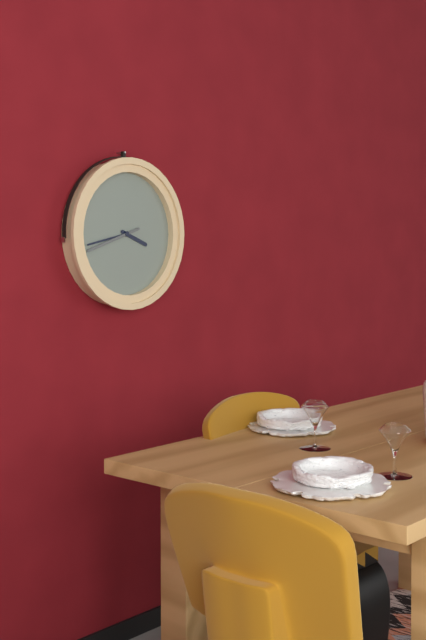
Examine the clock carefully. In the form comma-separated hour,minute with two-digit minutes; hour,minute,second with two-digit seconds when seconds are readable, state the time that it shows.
3,43,42
